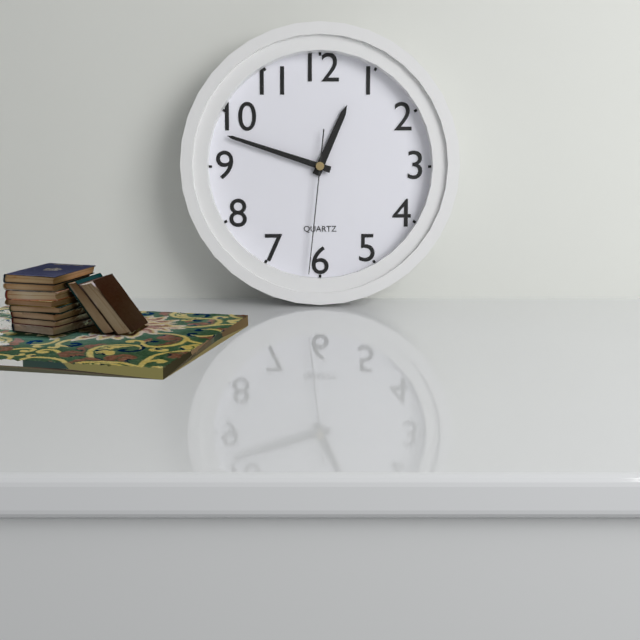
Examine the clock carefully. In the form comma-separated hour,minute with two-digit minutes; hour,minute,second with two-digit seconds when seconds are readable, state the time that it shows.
12,48,31
